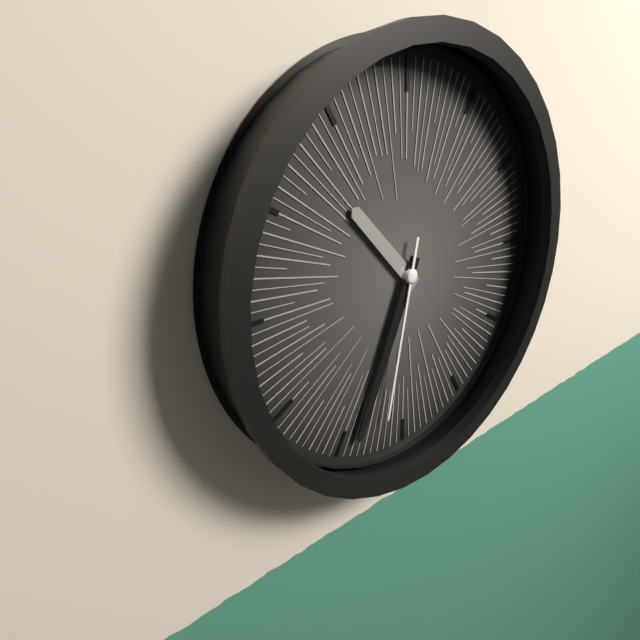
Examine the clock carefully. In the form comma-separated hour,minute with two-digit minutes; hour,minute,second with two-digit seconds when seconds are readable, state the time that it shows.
10,34,32
